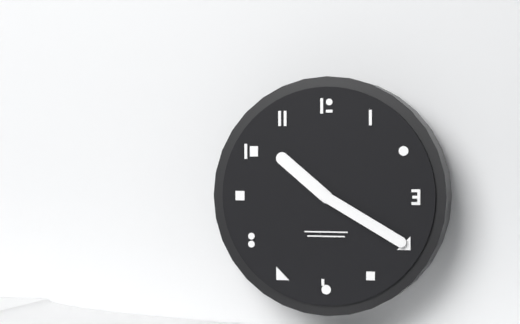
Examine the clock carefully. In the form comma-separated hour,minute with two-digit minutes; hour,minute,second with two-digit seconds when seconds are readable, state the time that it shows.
10,20
